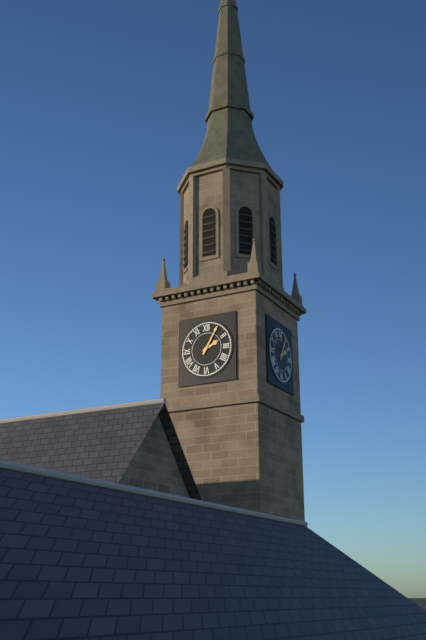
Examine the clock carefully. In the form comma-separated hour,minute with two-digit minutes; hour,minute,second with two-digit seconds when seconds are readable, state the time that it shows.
2,05
